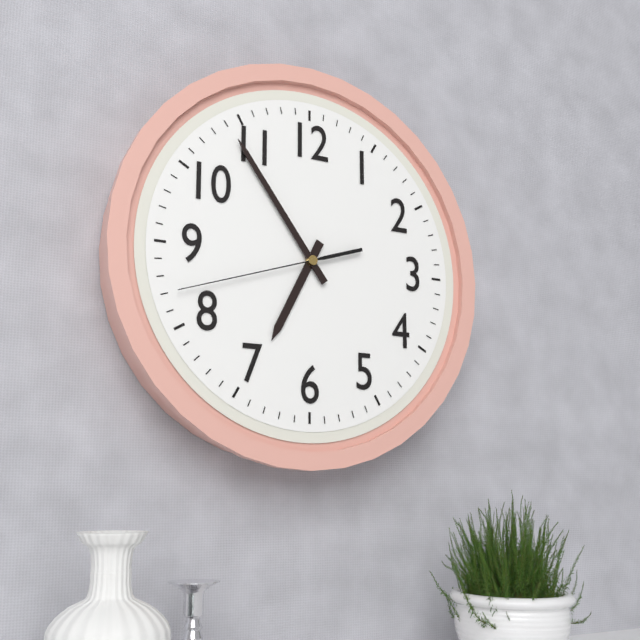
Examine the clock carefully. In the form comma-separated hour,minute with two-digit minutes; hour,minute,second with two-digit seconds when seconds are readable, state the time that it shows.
6,54,42
